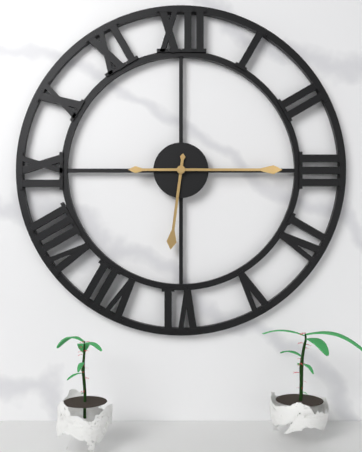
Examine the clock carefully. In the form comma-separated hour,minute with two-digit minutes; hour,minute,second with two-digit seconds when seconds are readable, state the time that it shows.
6,15
